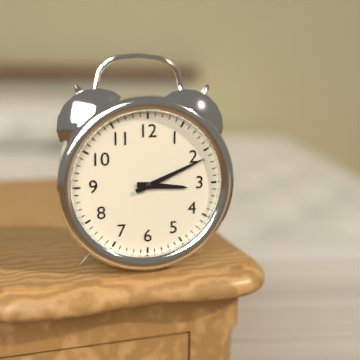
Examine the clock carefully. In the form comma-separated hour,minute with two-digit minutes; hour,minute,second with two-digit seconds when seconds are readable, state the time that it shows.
3,11
